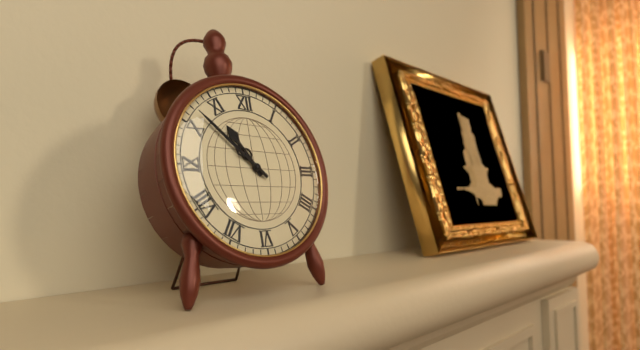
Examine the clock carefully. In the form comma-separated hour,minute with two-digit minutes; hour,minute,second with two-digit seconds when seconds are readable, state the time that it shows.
10,52
